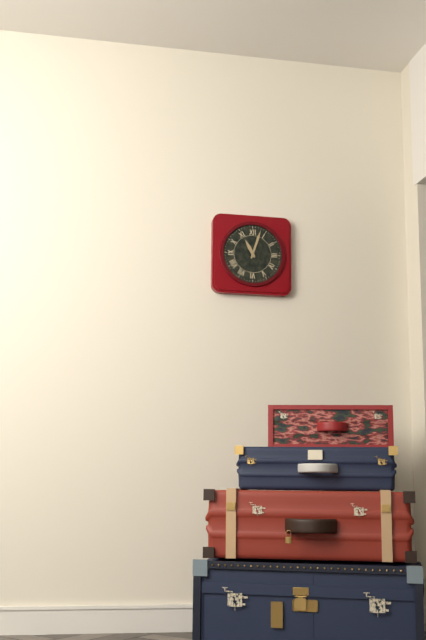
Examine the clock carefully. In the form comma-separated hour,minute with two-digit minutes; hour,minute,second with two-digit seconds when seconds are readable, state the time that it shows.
11,03
